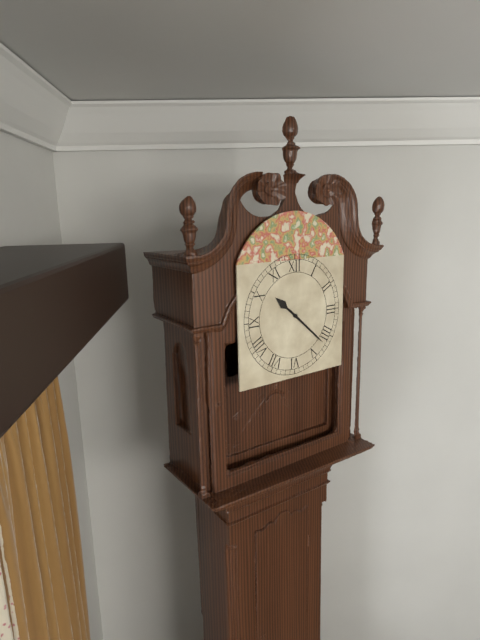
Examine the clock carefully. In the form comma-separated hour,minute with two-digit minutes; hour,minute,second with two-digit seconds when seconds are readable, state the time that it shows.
10,22
